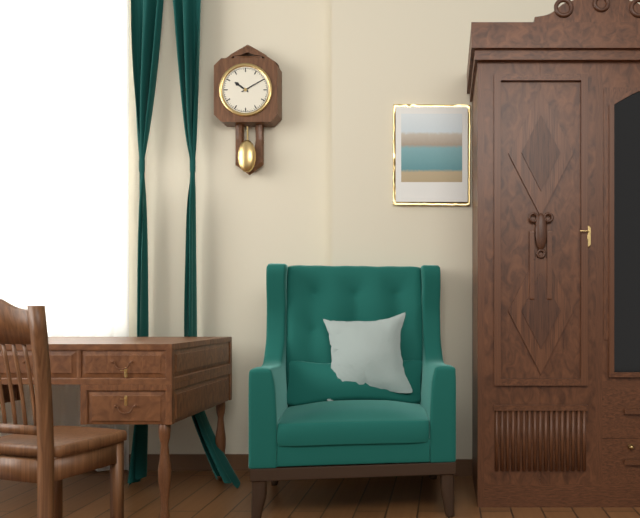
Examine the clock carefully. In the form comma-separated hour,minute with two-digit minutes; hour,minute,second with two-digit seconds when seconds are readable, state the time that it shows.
10,10
